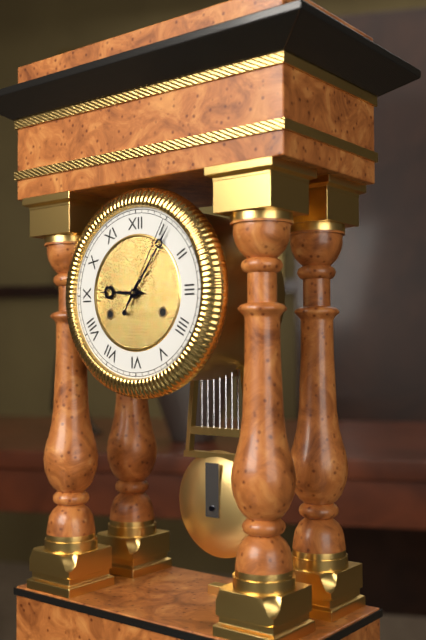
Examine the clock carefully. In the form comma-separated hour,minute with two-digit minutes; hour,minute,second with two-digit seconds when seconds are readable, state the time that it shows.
9,06,05
